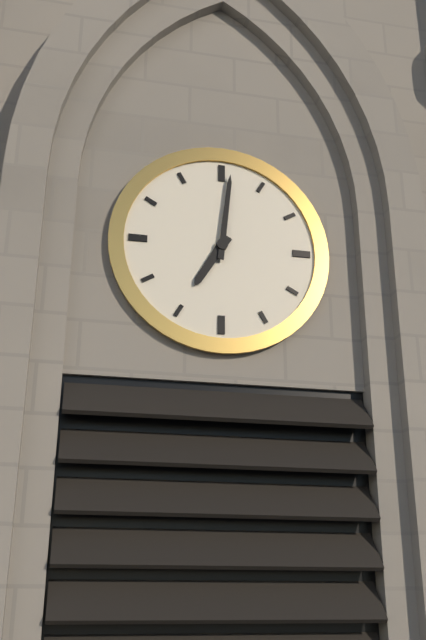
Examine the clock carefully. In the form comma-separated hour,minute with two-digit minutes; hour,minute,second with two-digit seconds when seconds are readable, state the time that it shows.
7,01
